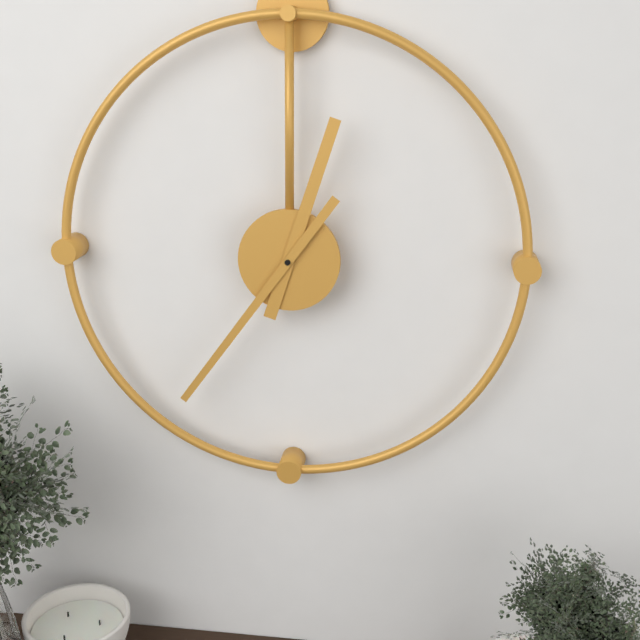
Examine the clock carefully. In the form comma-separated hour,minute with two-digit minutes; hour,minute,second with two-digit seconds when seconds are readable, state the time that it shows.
12,36
